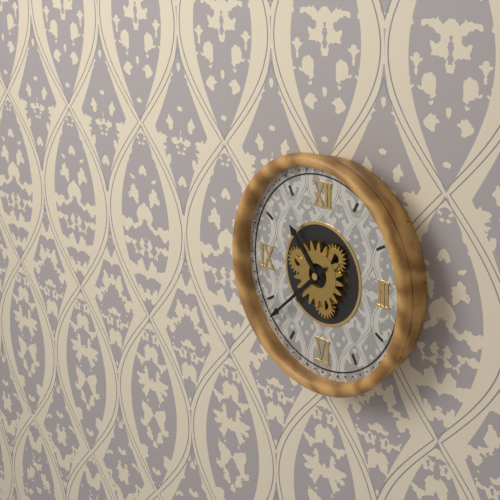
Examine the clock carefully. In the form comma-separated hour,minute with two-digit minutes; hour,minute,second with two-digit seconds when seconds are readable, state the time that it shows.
10,38
